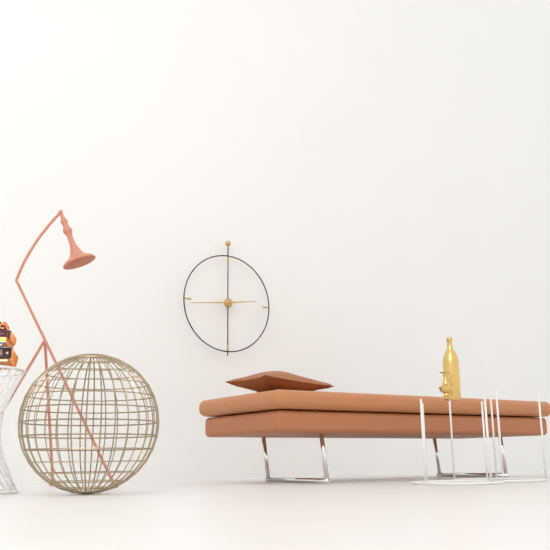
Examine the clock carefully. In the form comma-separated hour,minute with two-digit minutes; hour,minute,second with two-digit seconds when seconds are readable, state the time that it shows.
2,44
